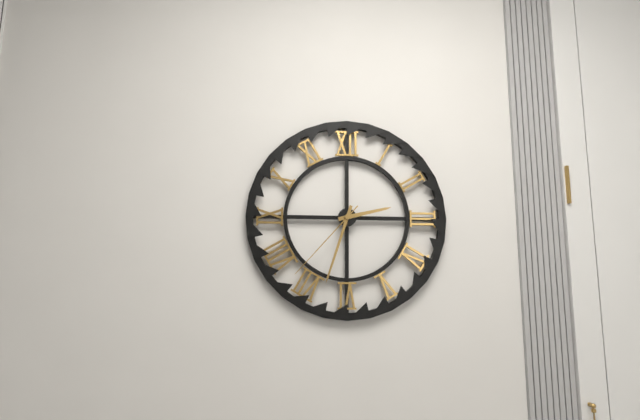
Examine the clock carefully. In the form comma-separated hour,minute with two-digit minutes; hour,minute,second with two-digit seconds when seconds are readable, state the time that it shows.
2,33,37
